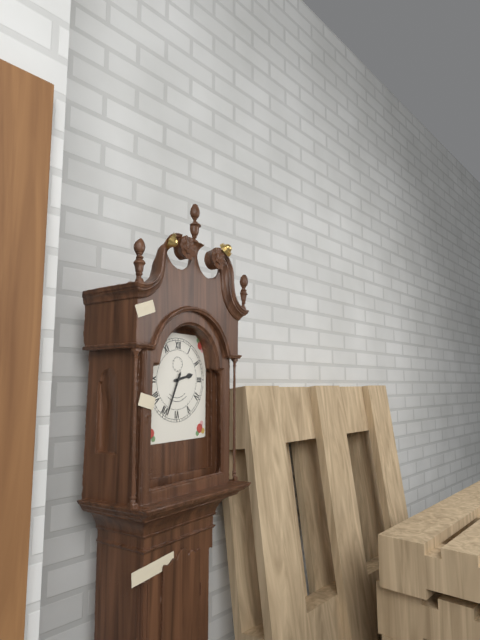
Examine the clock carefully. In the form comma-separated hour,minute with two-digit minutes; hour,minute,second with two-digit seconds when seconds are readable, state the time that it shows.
2,34
